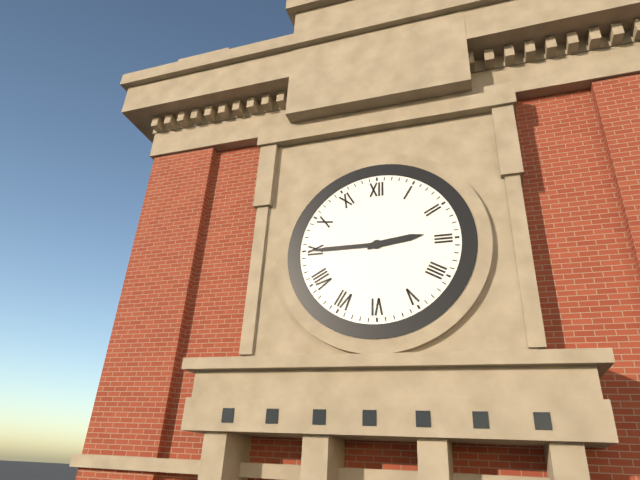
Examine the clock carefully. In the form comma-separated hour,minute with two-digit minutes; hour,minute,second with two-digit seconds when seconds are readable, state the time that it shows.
2,45
